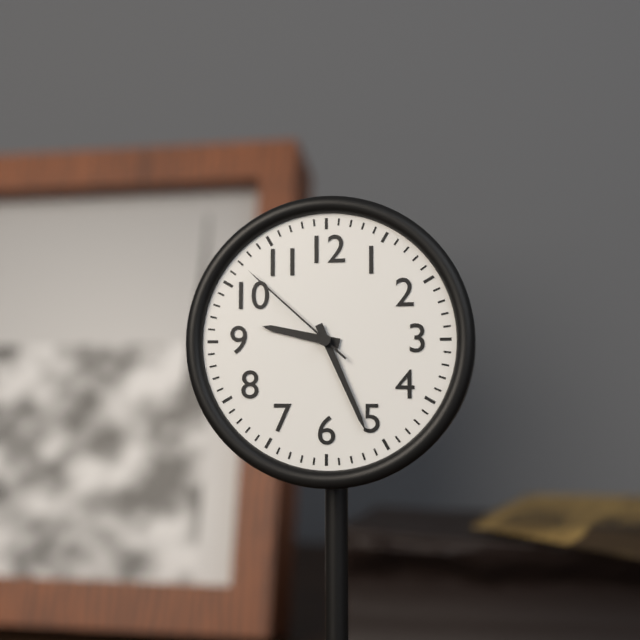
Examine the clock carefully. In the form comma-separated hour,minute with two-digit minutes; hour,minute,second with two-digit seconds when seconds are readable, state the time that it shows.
9,26,52
